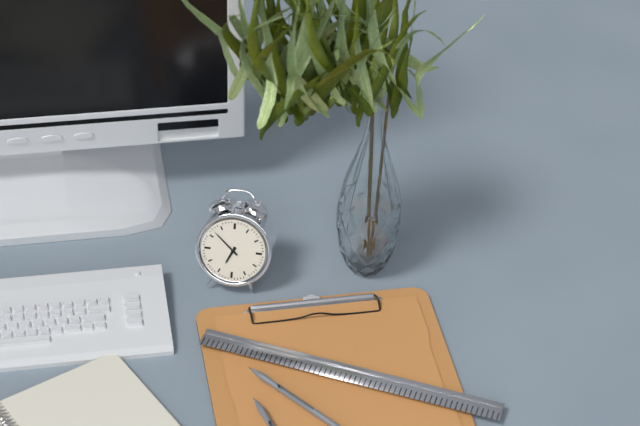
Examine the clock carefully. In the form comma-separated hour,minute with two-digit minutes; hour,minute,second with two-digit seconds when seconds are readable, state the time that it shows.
6,52
